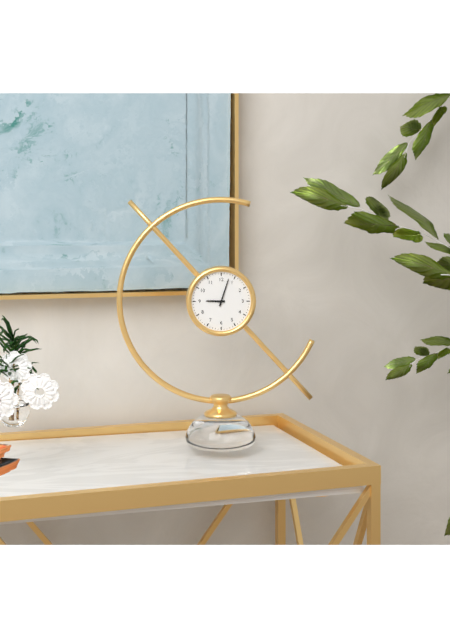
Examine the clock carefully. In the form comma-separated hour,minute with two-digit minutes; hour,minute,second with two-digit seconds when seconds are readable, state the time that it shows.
9,03
